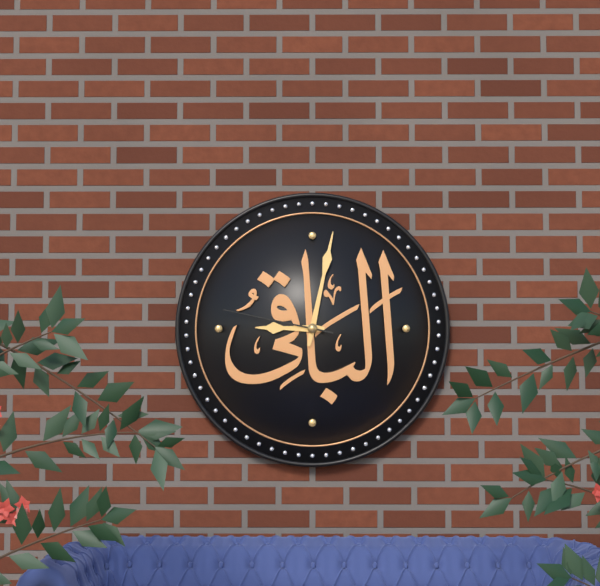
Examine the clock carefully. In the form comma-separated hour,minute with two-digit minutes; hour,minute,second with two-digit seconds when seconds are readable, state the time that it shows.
9,02,47
